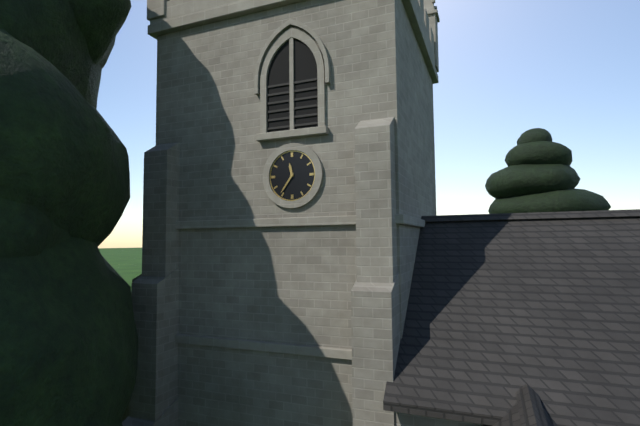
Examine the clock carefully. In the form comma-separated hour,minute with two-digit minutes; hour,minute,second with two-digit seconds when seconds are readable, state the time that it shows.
11,36
